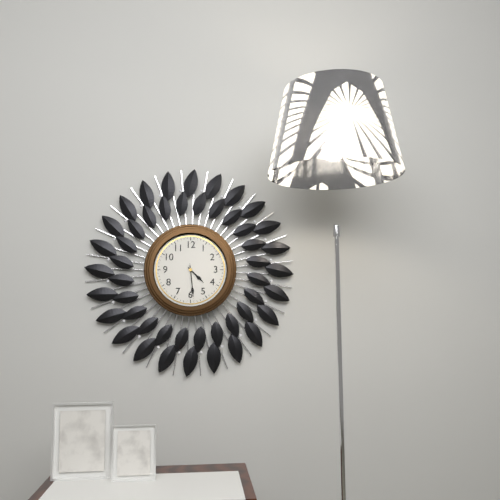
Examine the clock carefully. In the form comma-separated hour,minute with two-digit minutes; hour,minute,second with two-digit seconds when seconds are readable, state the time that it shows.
4,29
